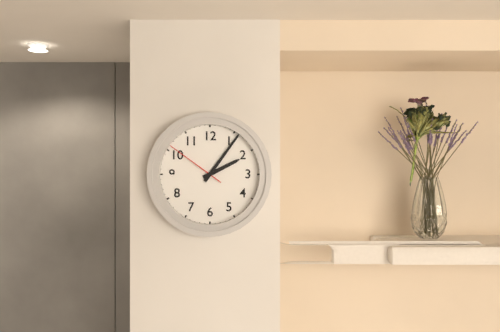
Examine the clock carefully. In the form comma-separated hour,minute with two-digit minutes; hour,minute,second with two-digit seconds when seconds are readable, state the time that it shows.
2,06,51
